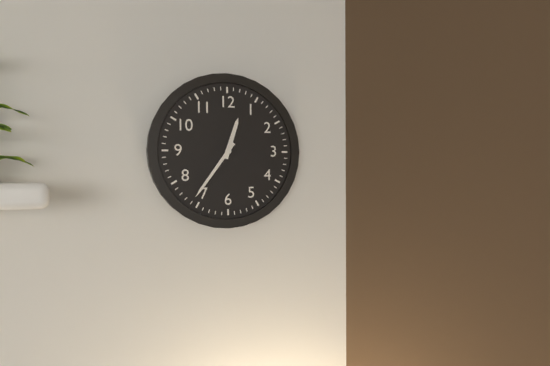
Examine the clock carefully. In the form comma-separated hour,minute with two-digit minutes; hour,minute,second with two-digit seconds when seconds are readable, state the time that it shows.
12,36
